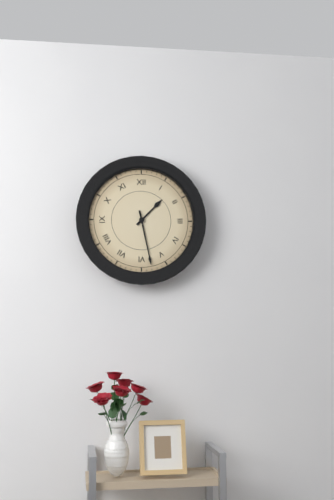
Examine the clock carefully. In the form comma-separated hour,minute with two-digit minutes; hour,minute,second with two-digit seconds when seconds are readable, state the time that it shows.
1,28
